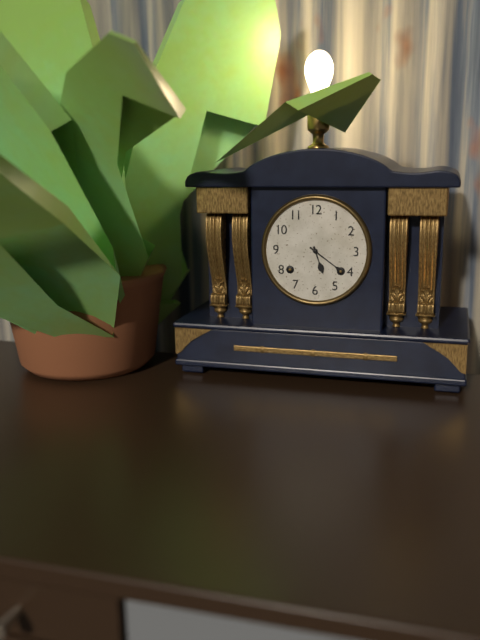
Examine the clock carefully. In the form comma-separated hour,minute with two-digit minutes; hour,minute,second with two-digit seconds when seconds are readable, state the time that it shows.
5,21
